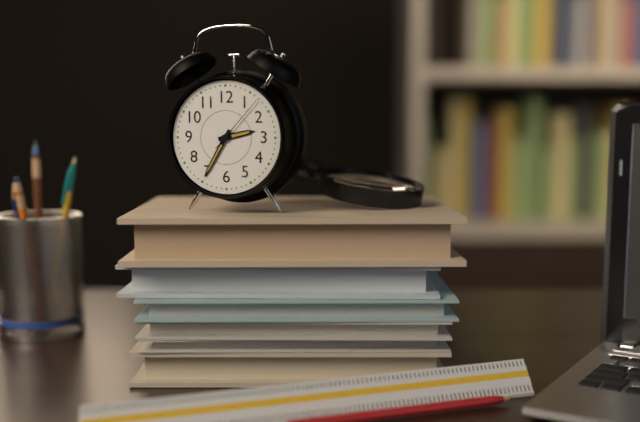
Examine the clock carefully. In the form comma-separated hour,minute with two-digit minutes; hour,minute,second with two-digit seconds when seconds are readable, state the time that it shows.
2,35,07
